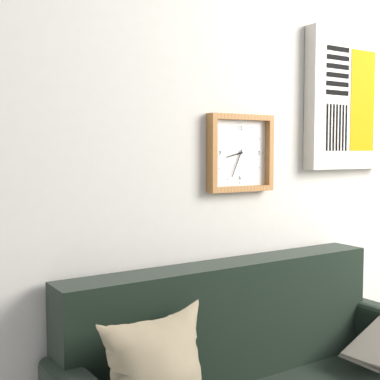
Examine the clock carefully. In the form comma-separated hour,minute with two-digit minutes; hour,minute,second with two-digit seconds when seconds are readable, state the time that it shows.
8,34
